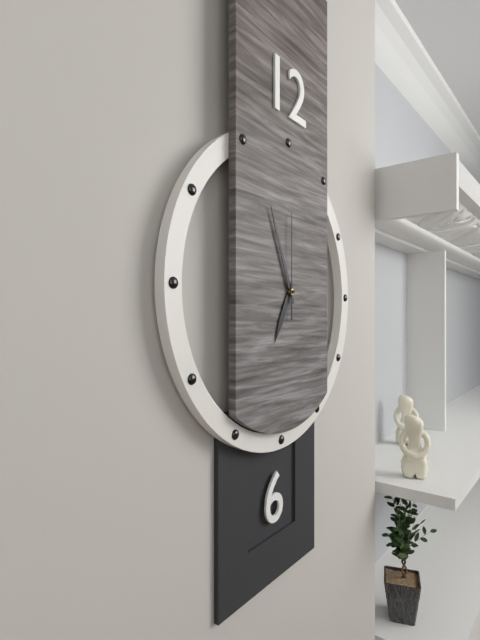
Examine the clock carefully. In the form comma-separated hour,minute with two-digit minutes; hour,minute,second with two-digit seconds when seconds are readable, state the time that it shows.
6,56,00
